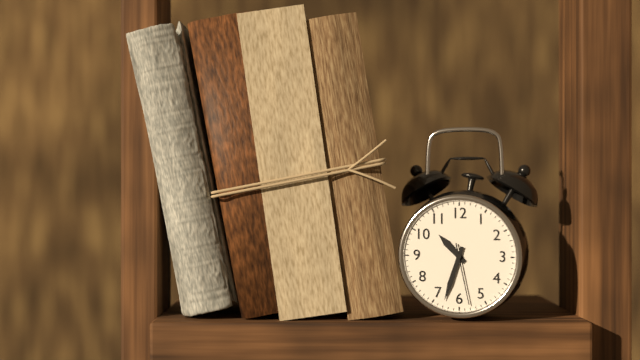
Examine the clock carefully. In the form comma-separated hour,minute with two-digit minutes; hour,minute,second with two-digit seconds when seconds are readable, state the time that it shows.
10,33,28
